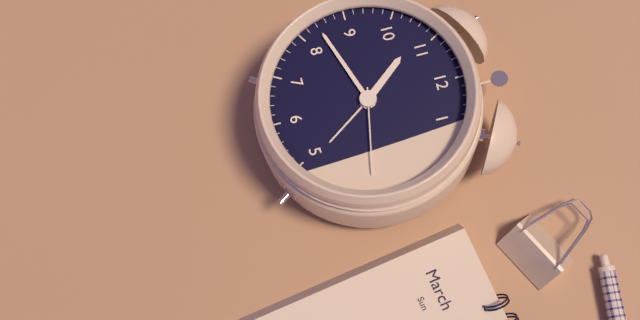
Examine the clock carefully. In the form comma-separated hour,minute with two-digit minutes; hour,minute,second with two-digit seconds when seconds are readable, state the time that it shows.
10,42,17
